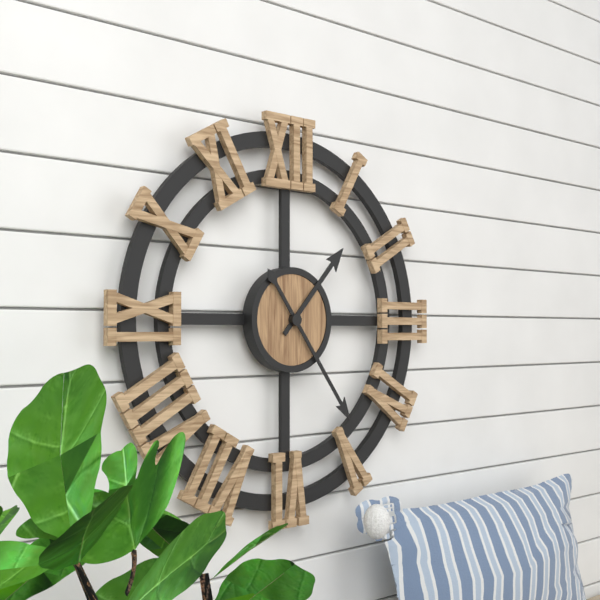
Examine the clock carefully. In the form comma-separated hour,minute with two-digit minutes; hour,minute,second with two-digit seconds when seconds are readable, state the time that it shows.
1,24
